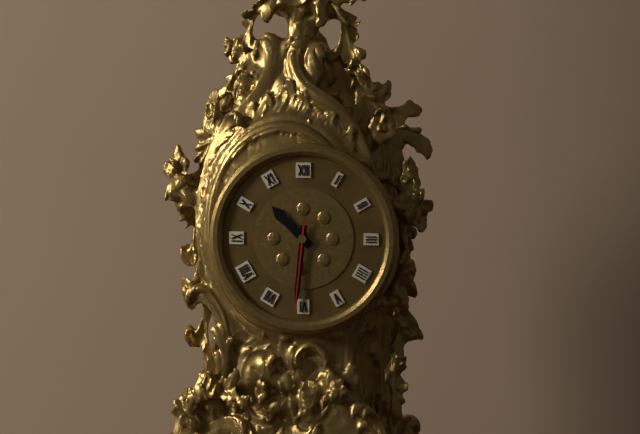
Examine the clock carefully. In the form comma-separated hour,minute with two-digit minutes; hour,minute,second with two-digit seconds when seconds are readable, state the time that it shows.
10,31,31
